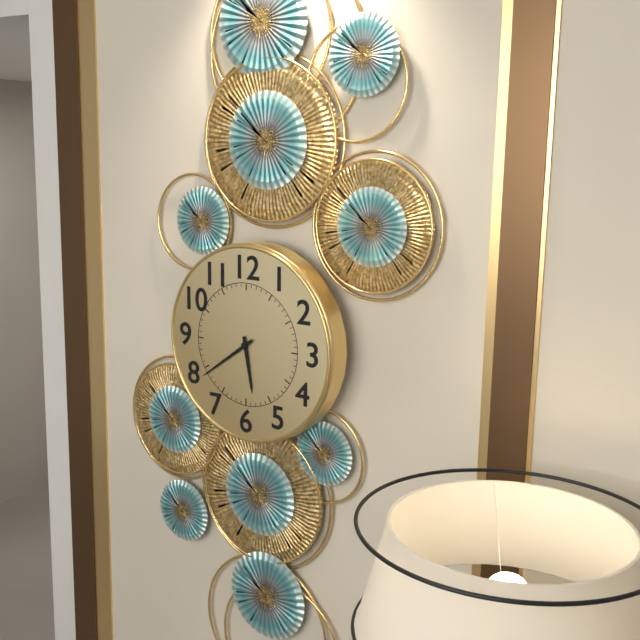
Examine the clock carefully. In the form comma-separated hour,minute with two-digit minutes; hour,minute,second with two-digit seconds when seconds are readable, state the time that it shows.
5,39
